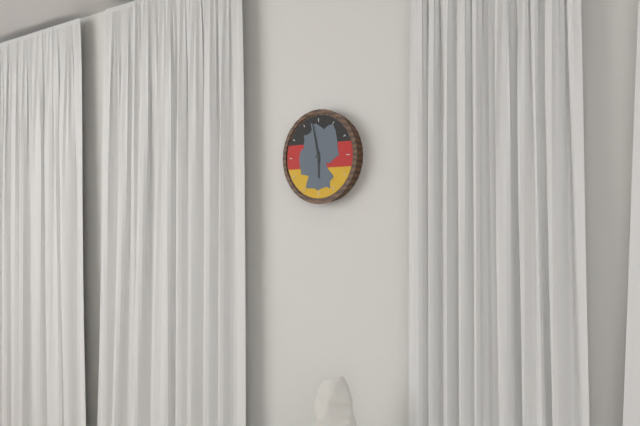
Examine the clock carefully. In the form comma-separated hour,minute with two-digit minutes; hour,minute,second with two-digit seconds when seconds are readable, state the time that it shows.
5,58
